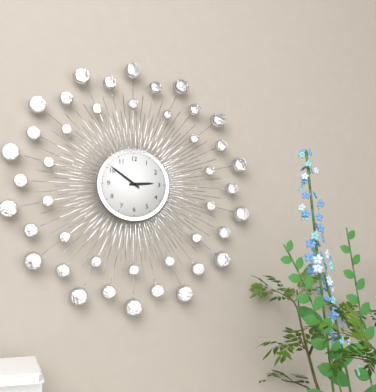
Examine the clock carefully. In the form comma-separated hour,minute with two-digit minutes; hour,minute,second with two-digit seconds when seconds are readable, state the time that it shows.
2,51
